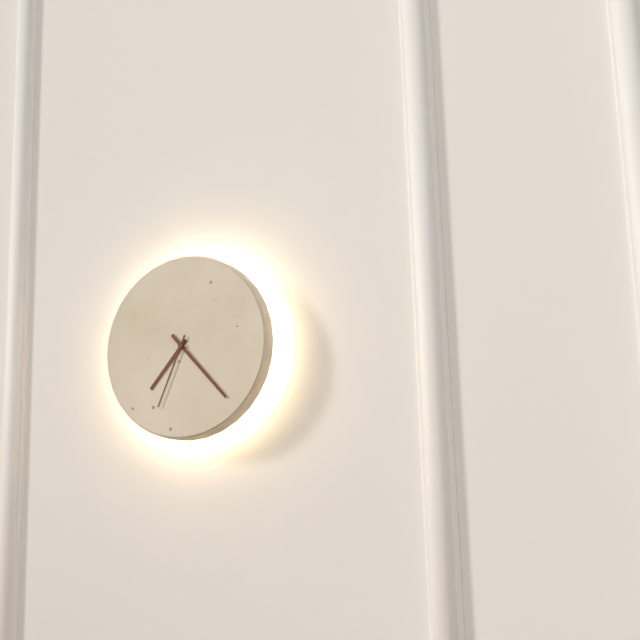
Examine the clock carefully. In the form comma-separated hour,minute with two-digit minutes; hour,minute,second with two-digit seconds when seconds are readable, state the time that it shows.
7,23,34
